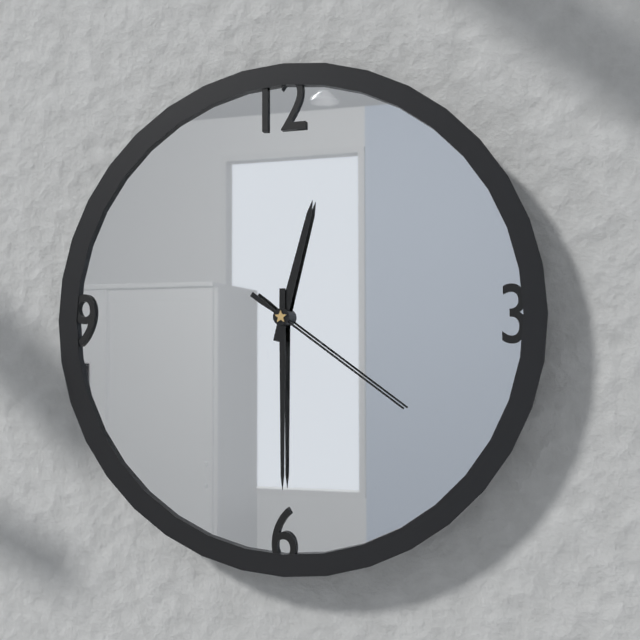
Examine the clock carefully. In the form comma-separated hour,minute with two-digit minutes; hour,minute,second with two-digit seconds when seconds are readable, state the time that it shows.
12,30,21
